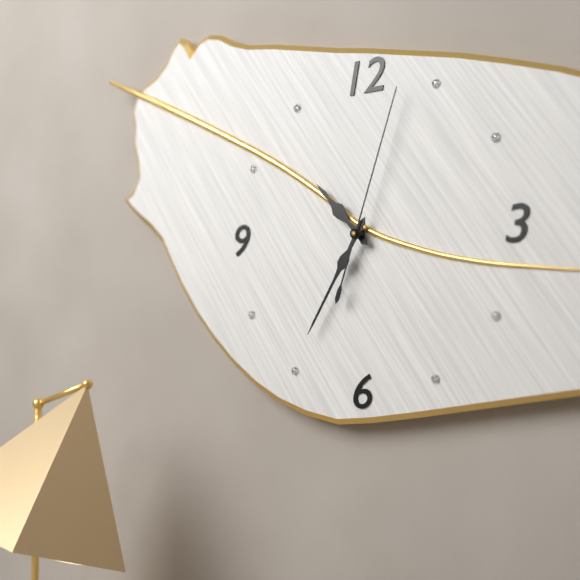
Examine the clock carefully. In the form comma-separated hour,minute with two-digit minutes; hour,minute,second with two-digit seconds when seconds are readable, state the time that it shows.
10,35,03
